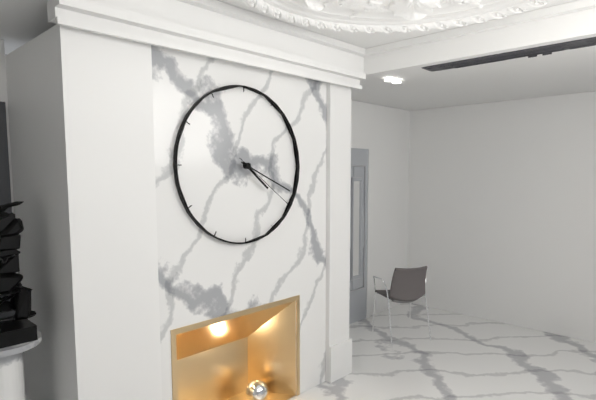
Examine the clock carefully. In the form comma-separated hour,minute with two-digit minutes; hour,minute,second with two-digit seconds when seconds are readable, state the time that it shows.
4,19,21
